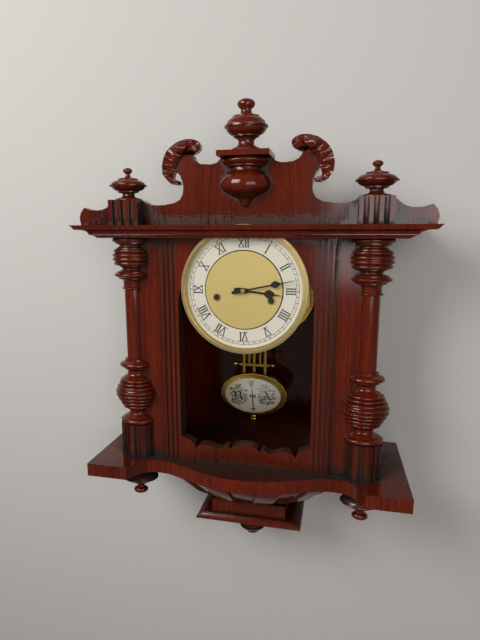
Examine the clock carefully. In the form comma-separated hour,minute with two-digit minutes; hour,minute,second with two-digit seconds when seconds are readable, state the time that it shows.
3,13
